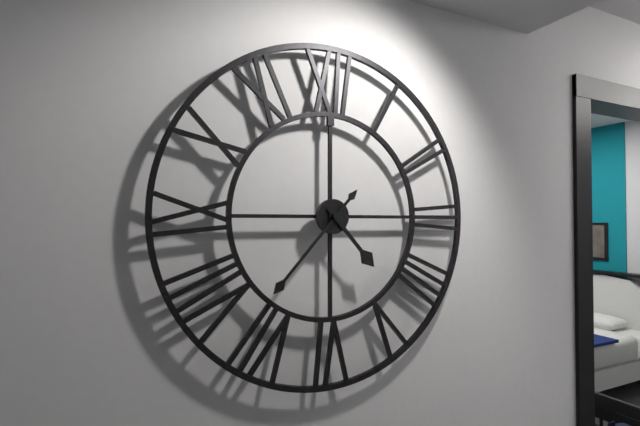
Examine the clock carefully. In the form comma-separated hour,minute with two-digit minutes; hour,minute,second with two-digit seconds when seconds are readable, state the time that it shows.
4,37
